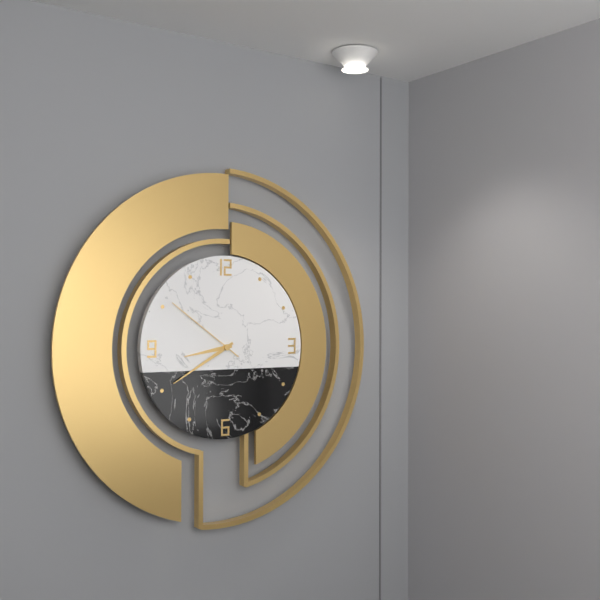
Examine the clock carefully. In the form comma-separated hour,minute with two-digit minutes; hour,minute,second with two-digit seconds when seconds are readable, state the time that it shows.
8,40,51
